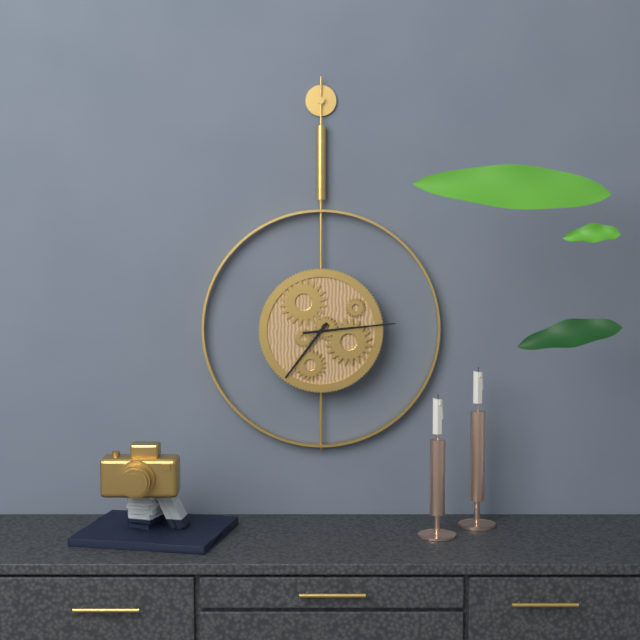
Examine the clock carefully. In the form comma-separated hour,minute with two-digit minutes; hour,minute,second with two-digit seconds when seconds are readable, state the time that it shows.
7,14
